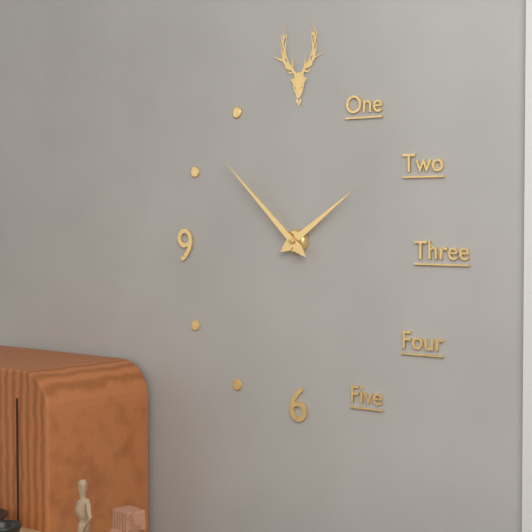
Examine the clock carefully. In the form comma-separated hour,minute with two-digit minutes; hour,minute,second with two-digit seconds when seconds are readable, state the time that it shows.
1,52
